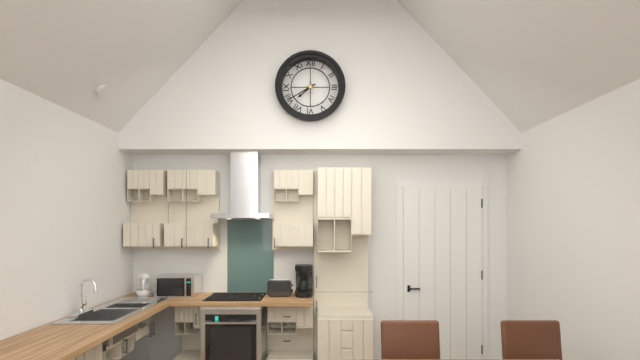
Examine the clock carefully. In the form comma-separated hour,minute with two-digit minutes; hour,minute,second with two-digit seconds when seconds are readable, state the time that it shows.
7,40
